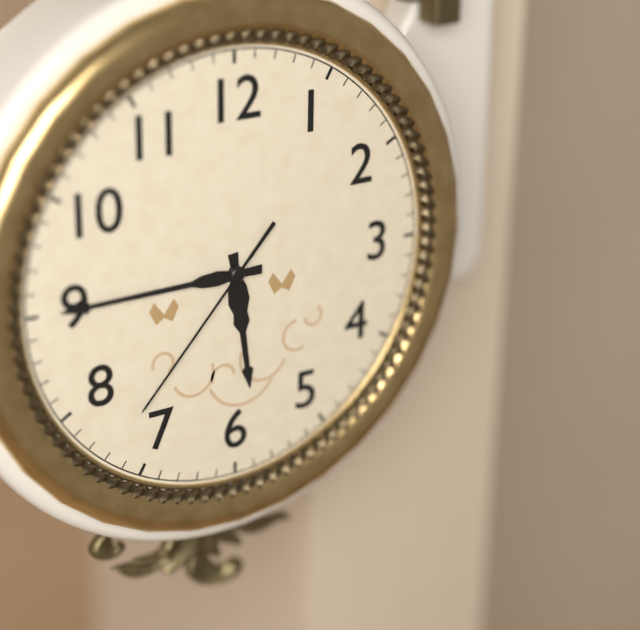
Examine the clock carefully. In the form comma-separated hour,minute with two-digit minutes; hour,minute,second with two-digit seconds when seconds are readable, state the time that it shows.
5,45,37
